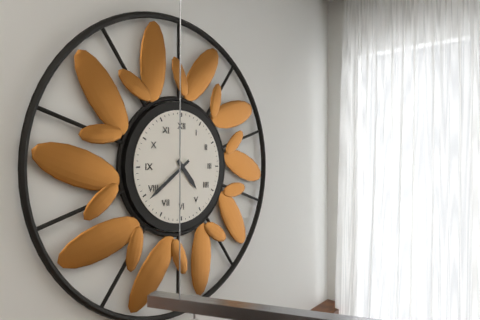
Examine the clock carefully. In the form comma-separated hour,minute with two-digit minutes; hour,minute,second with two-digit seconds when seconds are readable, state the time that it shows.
4,39
